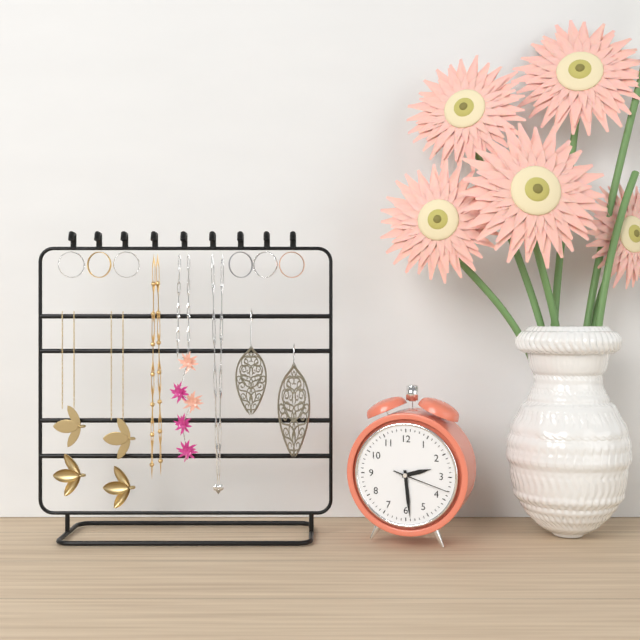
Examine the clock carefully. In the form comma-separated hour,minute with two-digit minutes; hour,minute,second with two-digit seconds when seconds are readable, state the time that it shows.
2,29,18
